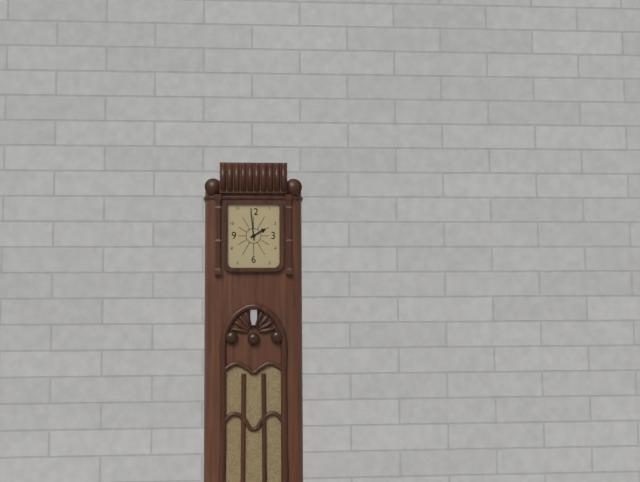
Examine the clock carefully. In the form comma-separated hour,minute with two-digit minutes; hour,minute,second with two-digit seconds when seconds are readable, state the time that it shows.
1,59
